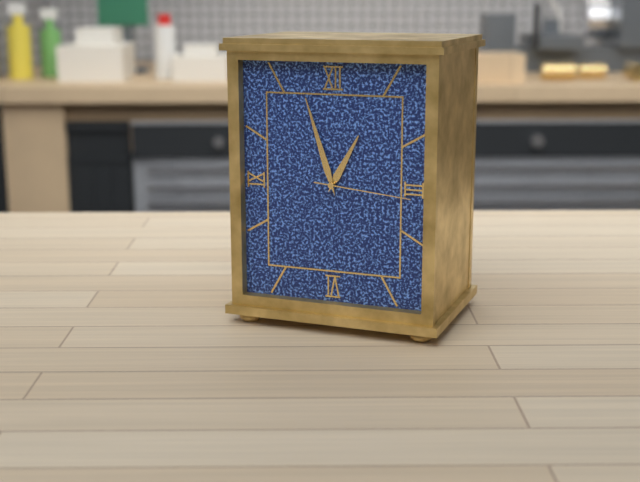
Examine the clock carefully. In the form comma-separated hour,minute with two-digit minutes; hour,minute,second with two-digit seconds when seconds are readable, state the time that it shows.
12,57,16
